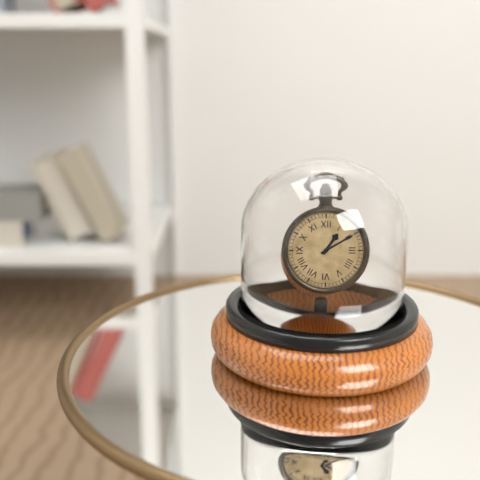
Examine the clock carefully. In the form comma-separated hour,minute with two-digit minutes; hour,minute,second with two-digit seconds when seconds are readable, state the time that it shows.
1,10
